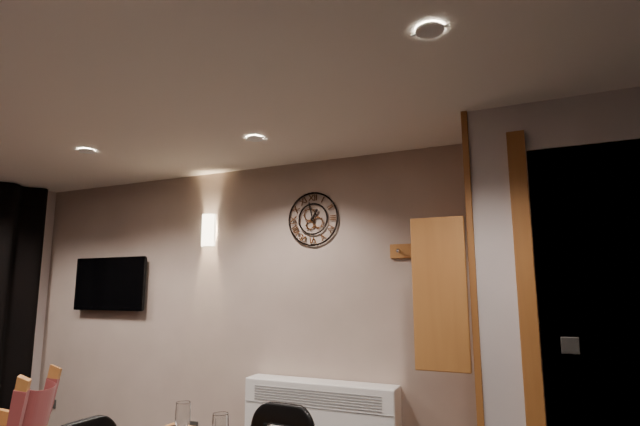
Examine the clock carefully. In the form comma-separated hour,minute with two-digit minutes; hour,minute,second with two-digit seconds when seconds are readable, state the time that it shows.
12,58
